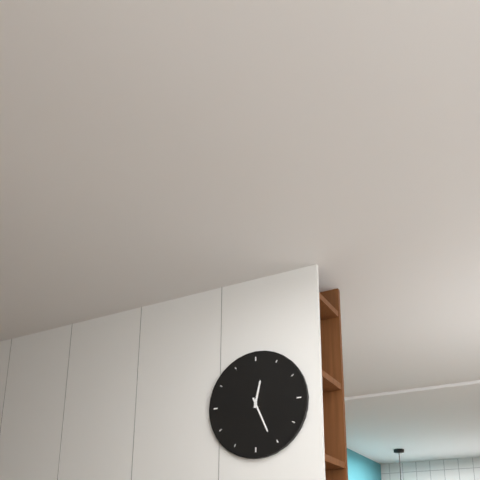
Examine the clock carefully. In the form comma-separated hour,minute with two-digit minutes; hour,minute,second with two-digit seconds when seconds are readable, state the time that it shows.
12,26
